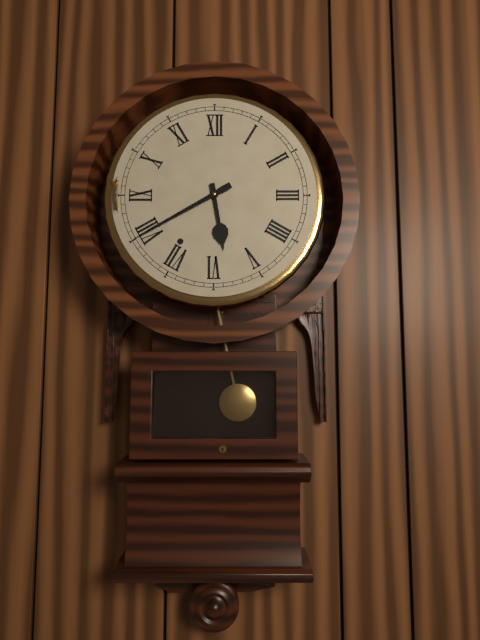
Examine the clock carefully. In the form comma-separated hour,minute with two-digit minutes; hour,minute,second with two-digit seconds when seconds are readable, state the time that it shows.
5,40
